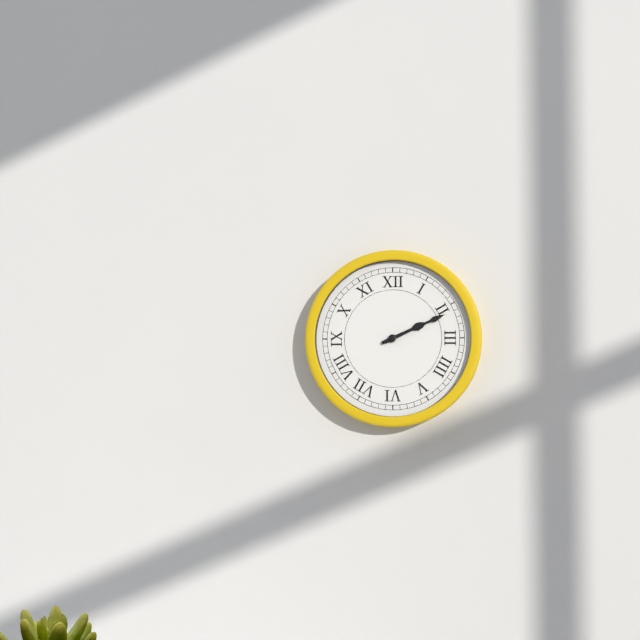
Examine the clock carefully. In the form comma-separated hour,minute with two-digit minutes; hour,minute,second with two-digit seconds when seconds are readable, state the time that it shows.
2,11
